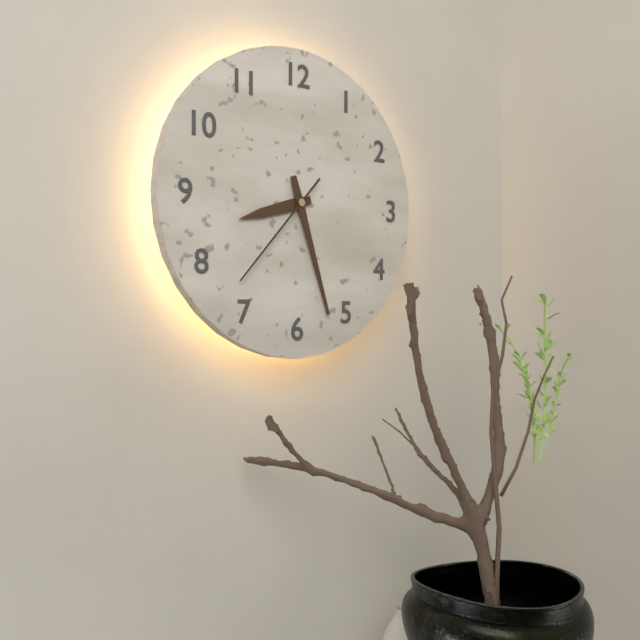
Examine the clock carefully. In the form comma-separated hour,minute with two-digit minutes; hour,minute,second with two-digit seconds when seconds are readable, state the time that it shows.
8,27,37
